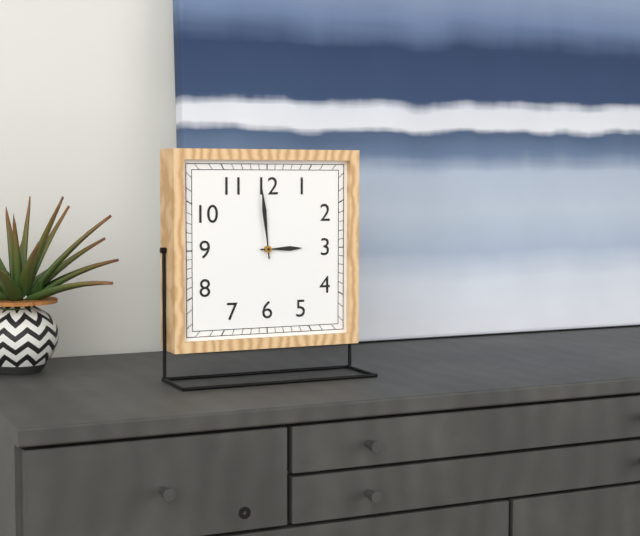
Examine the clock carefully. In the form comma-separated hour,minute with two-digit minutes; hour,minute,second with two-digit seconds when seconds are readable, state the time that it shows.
2,59
